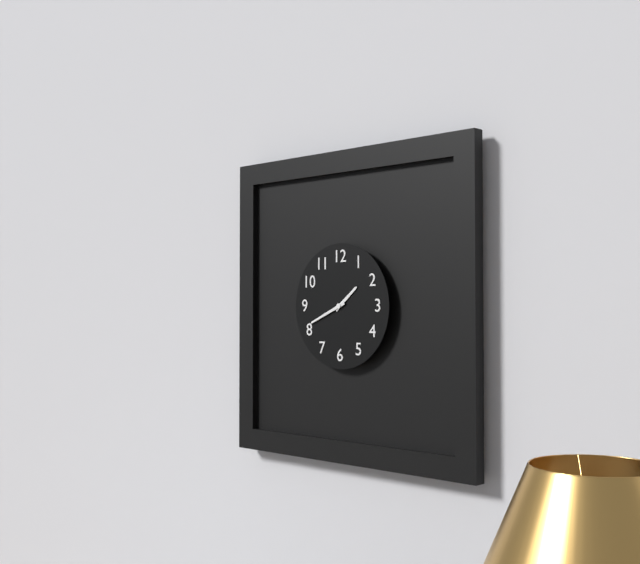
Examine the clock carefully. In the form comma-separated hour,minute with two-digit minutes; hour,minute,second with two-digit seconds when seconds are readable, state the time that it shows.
1,41
